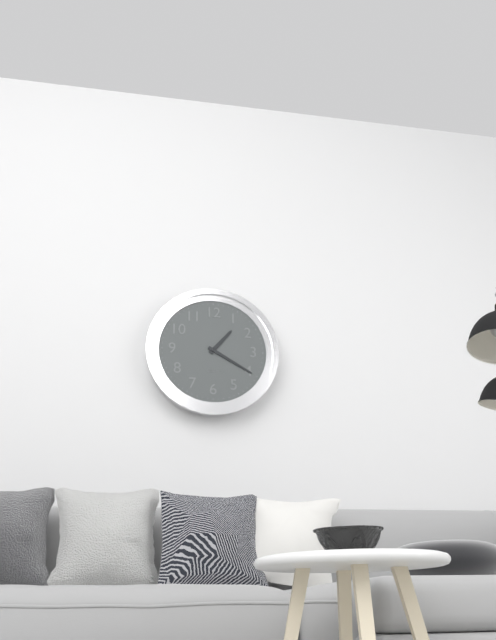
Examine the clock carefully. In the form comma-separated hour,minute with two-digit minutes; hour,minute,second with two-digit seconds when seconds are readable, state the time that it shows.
1,20
